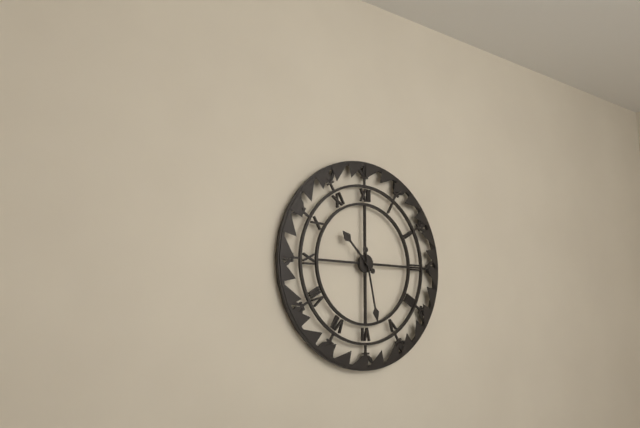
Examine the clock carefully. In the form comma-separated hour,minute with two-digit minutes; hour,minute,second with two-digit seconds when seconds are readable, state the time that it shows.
10,28
